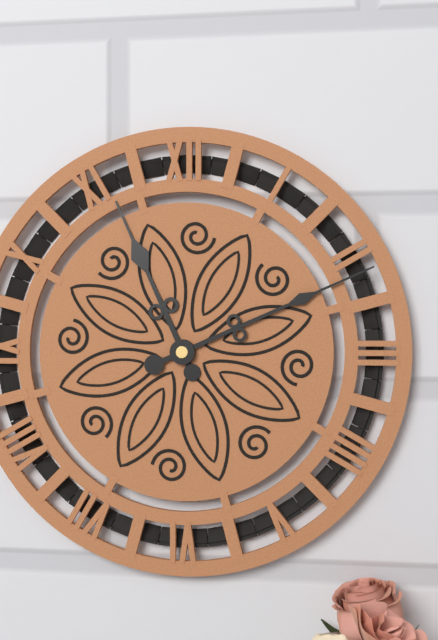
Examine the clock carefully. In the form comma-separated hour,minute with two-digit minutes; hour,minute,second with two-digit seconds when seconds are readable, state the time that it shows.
11,11
